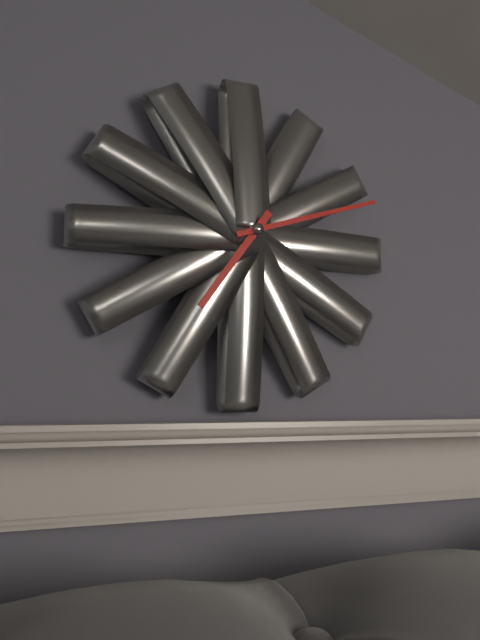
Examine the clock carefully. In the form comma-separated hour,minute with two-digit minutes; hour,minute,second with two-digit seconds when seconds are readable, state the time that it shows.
7,12
